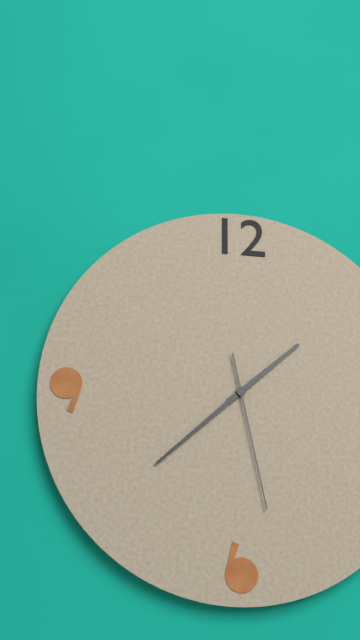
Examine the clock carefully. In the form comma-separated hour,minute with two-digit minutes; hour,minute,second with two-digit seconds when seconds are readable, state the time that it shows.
1,38,28
